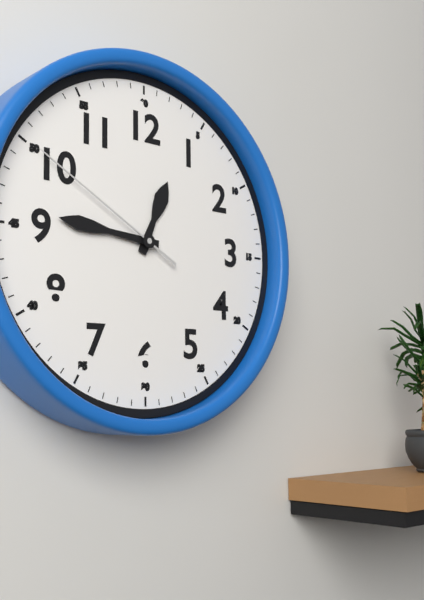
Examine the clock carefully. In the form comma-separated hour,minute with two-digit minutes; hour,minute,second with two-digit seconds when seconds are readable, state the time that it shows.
12,46,50
